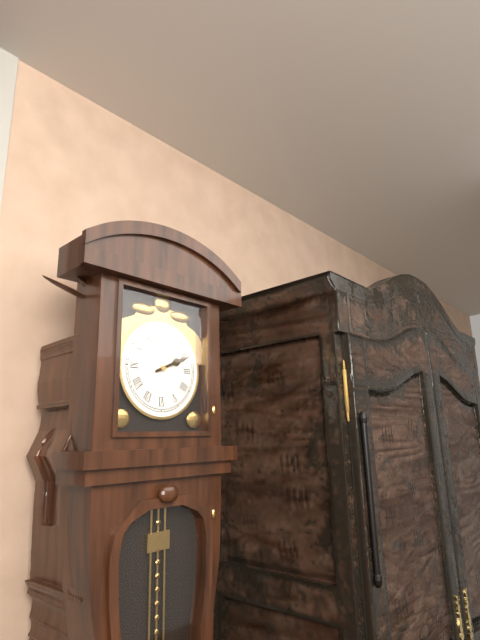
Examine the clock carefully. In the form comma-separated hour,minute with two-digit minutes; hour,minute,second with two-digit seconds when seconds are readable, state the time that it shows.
2,11
